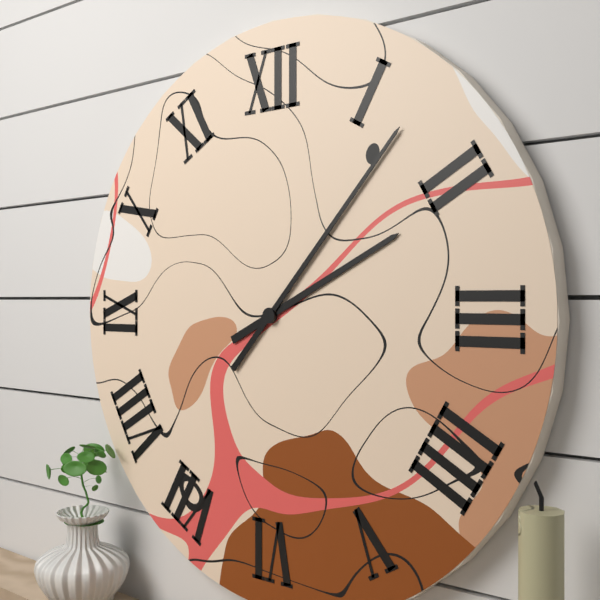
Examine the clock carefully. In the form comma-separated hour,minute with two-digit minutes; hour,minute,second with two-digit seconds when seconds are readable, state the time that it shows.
2,07
